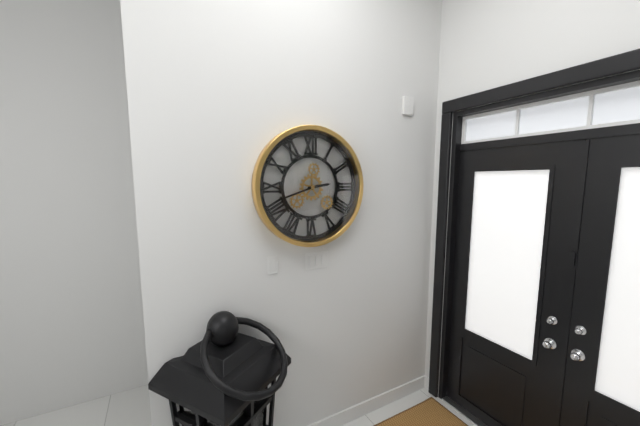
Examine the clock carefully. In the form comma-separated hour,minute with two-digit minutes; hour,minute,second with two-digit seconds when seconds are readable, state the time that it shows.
2,42
